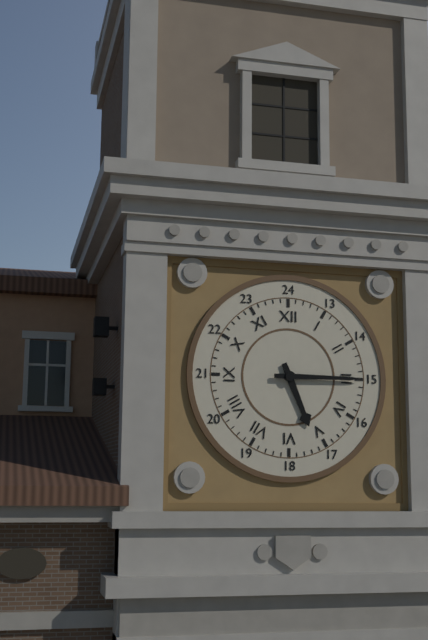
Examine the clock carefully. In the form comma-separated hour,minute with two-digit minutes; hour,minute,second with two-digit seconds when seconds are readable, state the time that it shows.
5,15
